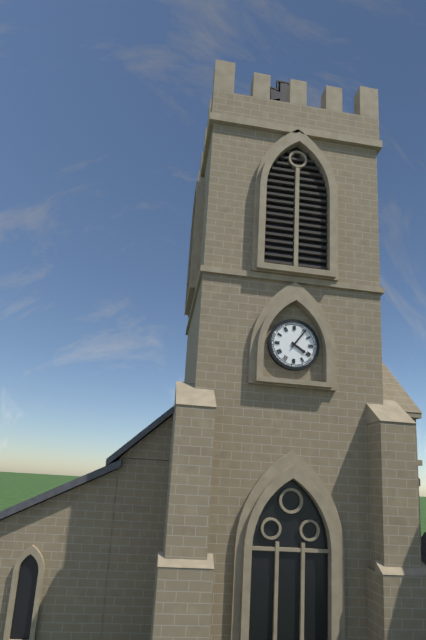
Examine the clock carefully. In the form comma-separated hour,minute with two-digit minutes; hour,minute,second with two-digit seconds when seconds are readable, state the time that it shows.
4,06
